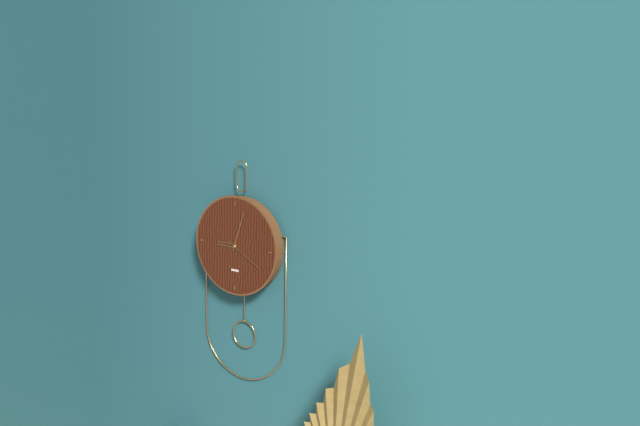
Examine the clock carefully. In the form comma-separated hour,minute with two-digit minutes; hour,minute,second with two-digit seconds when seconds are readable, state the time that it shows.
9,03
